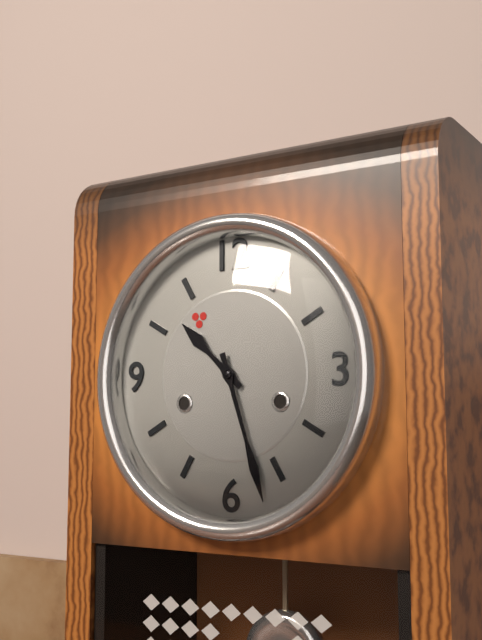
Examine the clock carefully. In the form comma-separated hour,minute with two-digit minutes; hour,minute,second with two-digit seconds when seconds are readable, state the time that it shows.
10,27
